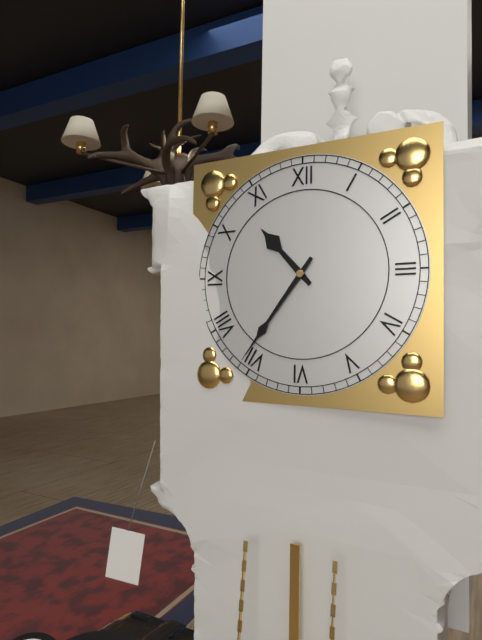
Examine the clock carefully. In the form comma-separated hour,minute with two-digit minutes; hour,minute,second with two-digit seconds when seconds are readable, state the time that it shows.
10,36
